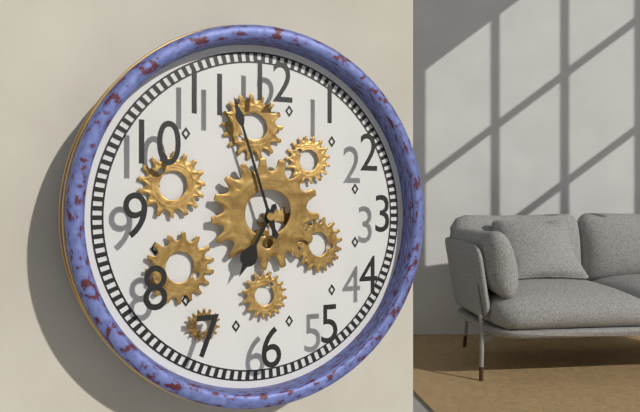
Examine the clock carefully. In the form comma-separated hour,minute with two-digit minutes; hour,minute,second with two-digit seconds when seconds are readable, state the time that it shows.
6,57
